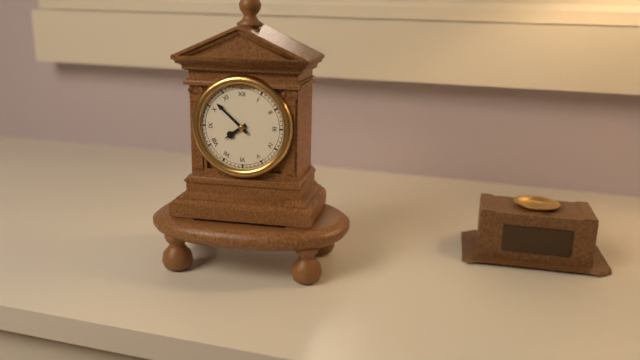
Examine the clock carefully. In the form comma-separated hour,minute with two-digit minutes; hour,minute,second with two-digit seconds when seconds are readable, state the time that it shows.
7,52
